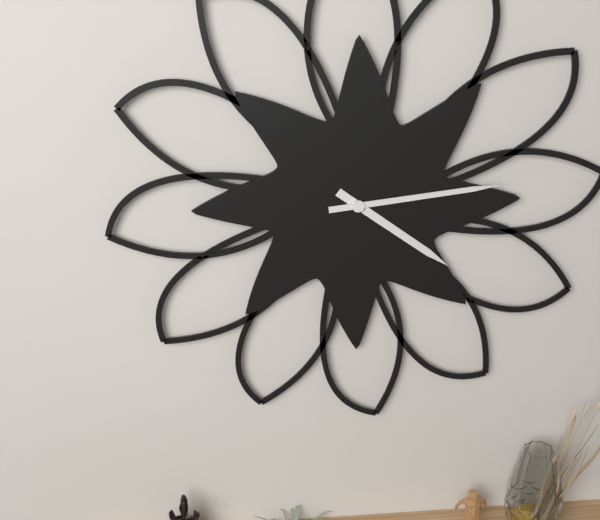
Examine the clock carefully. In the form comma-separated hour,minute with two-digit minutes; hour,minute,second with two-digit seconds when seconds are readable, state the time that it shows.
4,14
